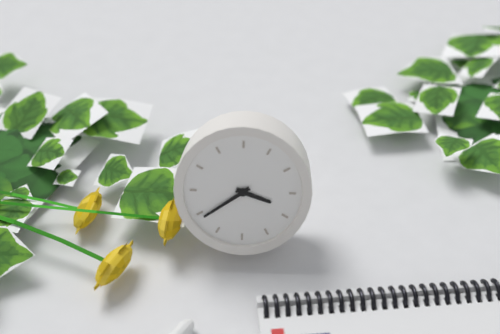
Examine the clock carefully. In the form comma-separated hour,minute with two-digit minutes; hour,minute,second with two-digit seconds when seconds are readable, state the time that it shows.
3,39
